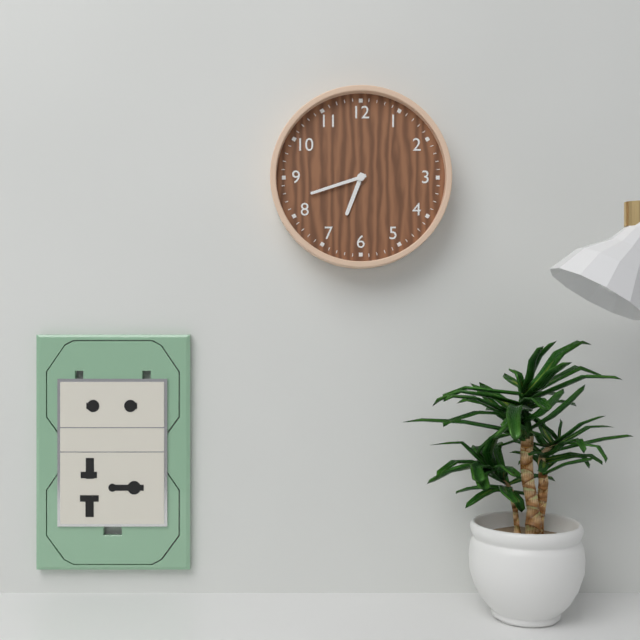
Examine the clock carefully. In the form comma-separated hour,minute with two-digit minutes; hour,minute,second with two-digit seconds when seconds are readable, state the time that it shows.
6,42
